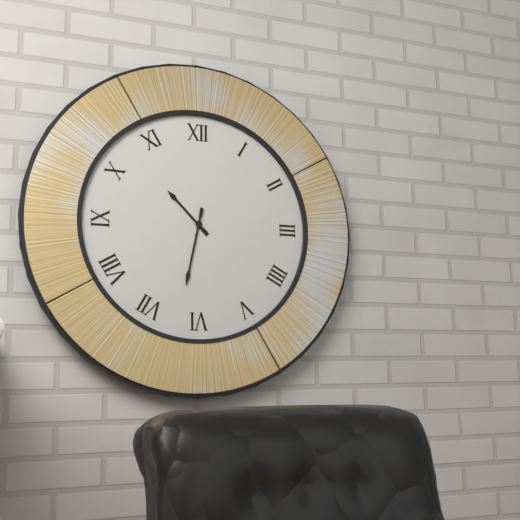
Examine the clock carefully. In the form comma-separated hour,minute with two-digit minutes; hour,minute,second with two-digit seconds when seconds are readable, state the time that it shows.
10,32
